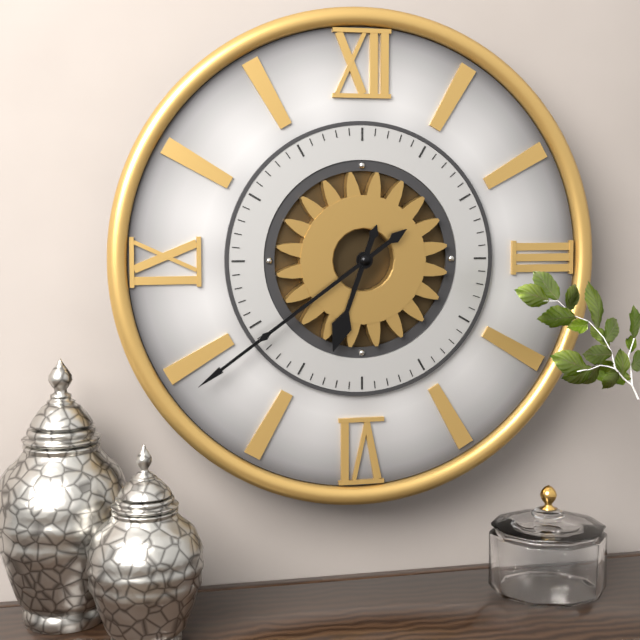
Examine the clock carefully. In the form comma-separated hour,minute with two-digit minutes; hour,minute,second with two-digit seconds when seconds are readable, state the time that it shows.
6,39
